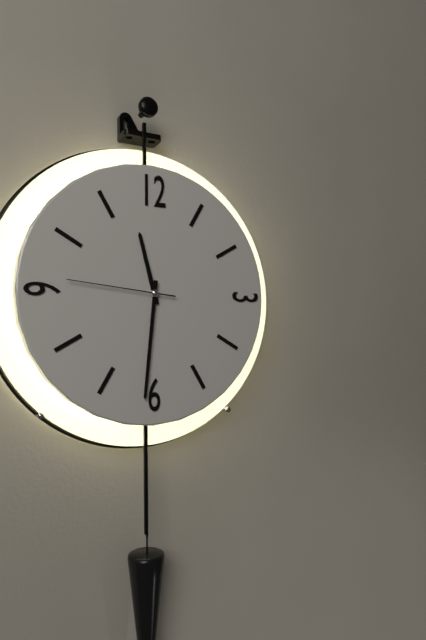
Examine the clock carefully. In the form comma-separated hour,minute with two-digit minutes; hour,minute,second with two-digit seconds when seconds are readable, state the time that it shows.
11,31,46
